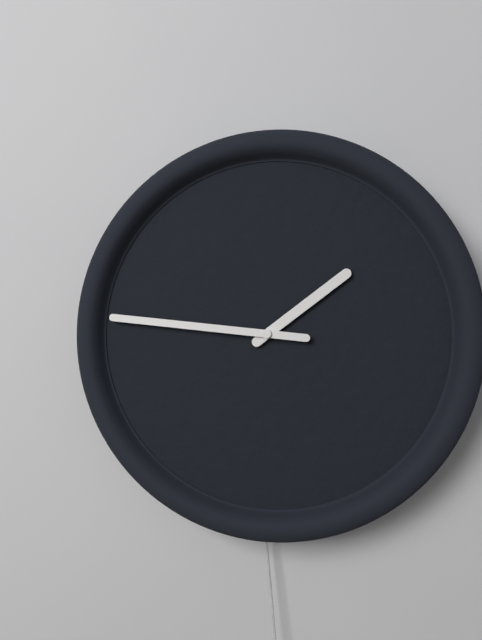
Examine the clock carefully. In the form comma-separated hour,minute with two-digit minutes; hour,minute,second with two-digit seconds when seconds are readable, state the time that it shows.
1,46
